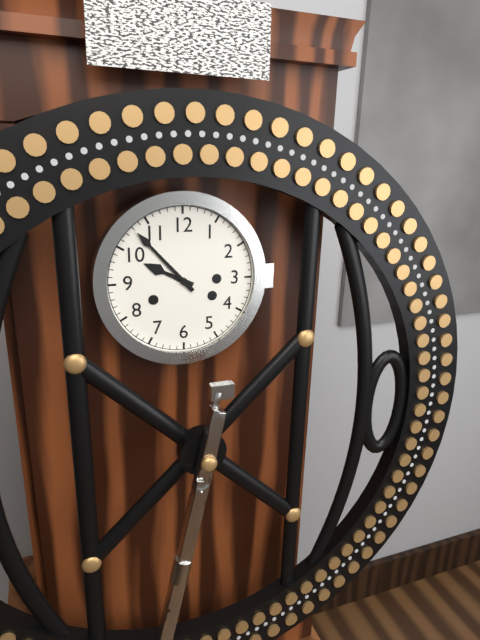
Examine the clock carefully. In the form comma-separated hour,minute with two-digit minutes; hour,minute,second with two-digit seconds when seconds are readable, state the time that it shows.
9,53
